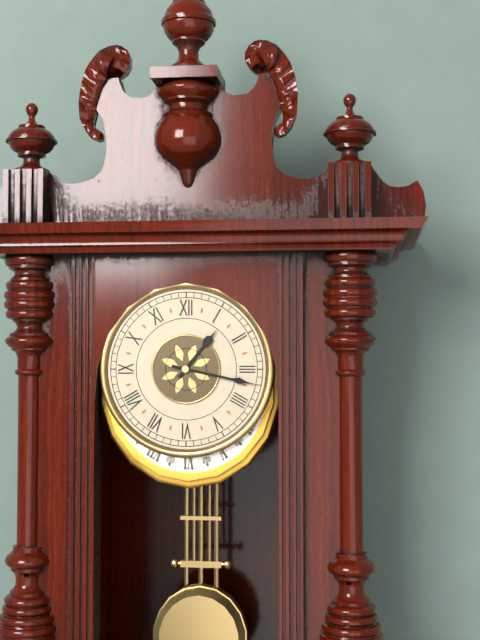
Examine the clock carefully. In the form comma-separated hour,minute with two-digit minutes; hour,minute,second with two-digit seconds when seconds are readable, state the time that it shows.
1,17
